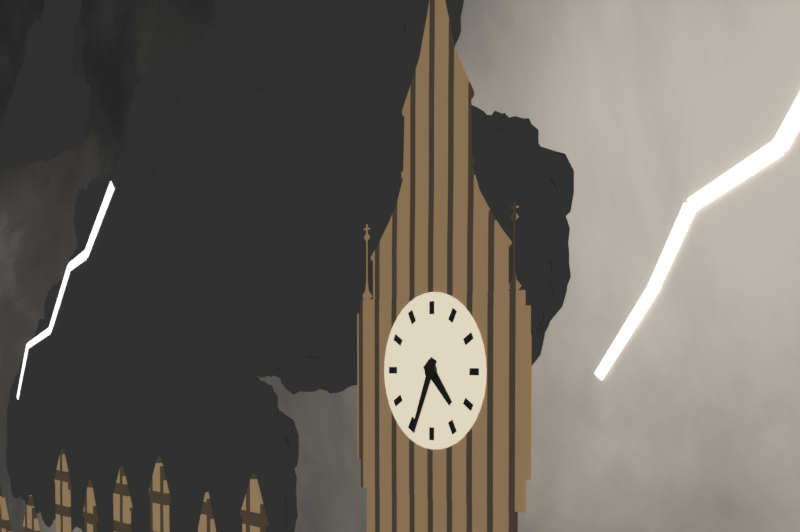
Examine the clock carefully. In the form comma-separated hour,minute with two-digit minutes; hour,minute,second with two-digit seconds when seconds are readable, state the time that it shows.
4,34
